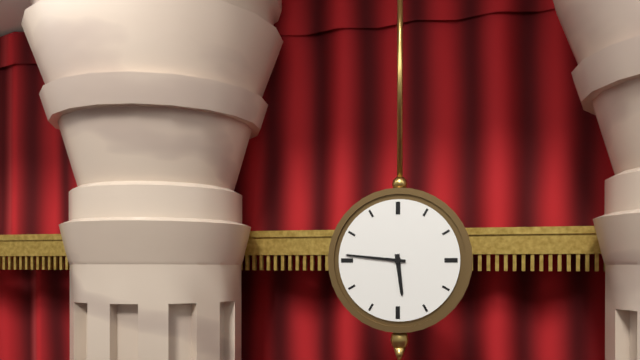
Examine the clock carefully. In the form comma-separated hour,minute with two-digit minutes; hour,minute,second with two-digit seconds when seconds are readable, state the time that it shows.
5,46
